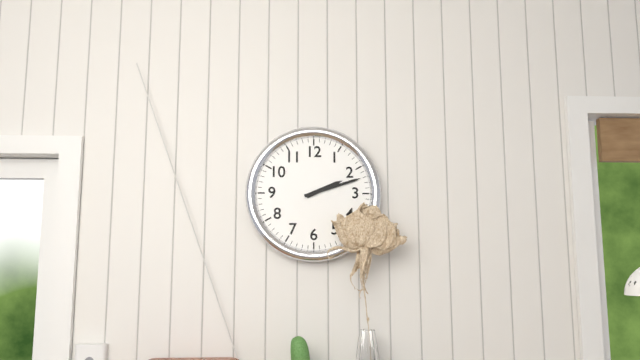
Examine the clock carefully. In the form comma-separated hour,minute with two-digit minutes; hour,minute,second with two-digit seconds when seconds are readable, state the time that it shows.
2,12
